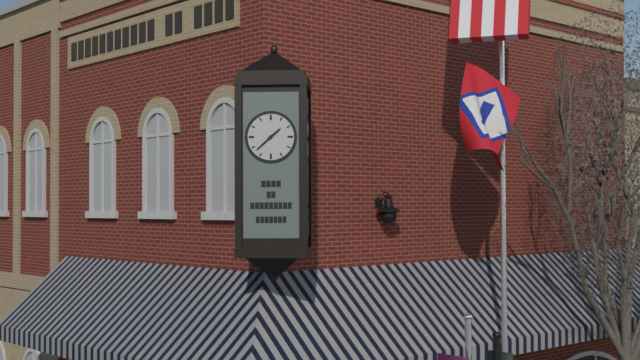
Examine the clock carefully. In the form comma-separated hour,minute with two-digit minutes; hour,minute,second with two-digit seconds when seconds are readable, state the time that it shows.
1,38
